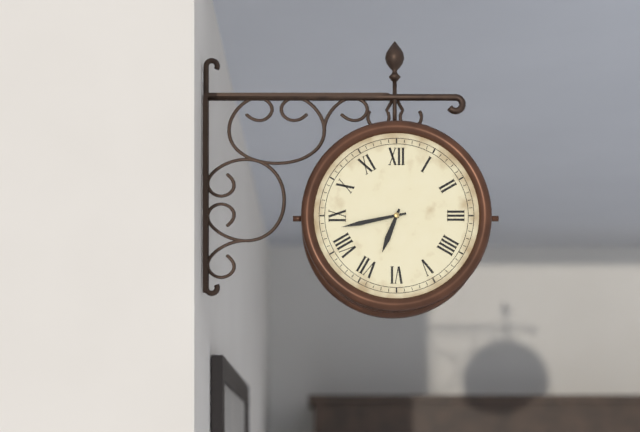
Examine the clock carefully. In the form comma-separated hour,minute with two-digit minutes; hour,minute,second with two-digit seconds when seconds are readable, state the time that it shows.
6,43
